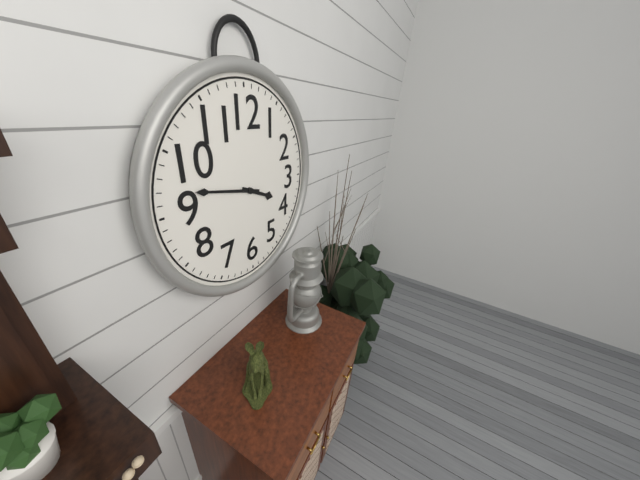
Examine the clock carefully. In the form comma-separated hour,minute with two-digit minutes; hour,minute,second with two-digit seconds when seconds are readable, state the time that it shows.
3,47
